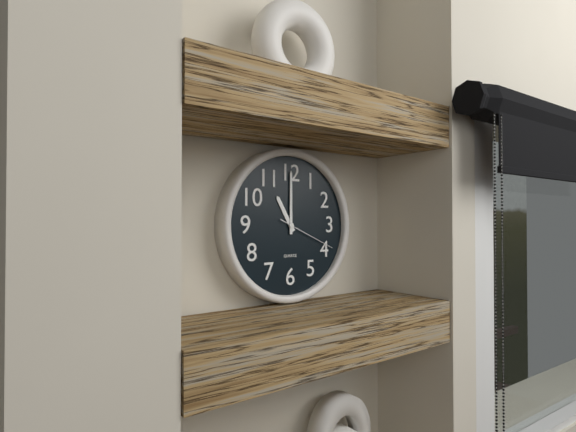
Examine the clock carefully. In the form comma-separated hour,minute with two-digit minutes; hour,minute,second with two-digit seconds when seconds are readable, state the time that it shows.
11,00,19
